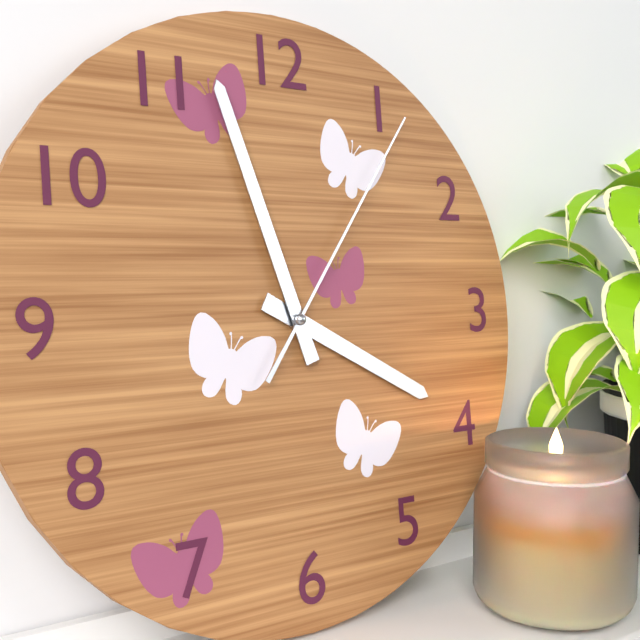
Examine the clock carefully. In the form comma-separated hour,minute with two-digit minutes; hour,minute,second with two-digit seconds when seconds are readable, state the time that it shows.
3,57,06
